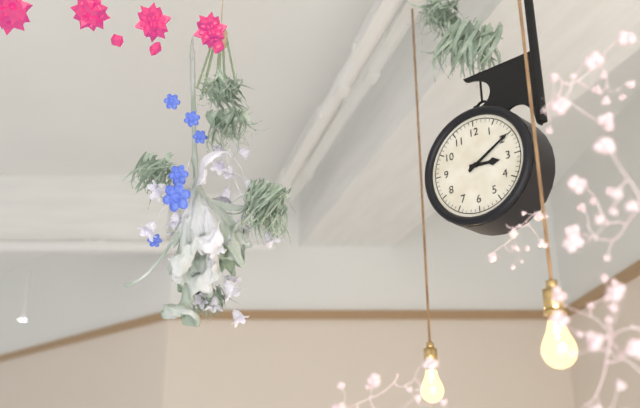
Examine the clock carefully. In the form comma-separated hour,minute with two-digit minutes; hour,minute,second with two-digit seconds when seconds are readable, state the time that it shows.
3,10
